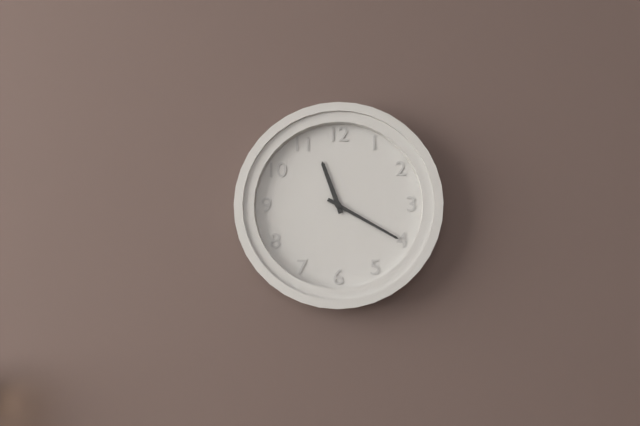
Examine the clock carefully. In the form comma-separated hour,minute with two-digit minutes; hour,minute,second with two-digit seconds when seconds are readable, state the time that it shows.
11,20
